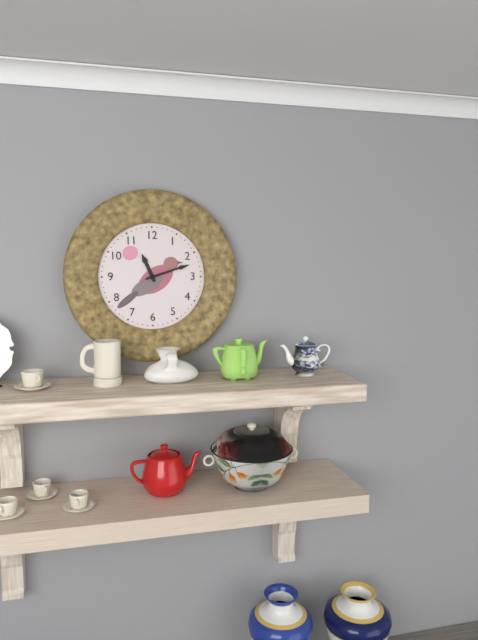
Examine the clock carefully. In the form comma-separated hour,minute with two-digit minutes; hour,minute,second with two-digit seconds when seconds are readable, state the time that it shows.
11,12
